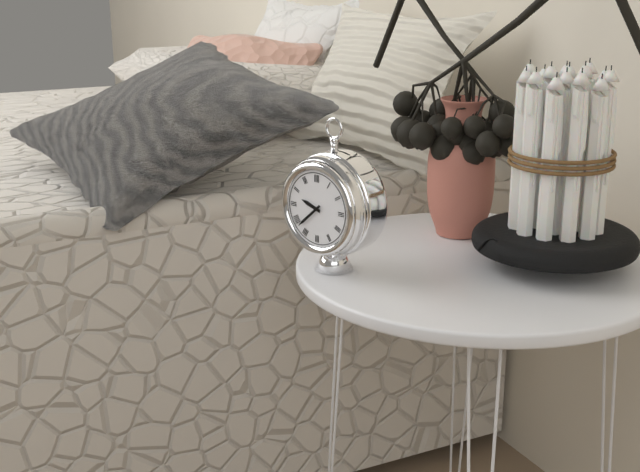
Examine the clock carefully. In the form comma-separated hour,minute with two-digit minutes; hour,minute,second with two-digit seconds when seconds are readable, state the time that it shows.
9,38
